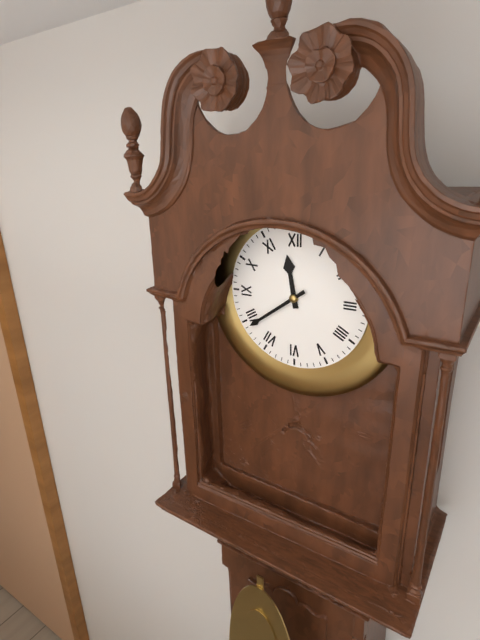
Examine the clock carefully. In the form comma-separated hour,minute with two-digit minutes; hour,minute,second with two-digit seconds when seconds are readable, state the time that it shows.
11,39
